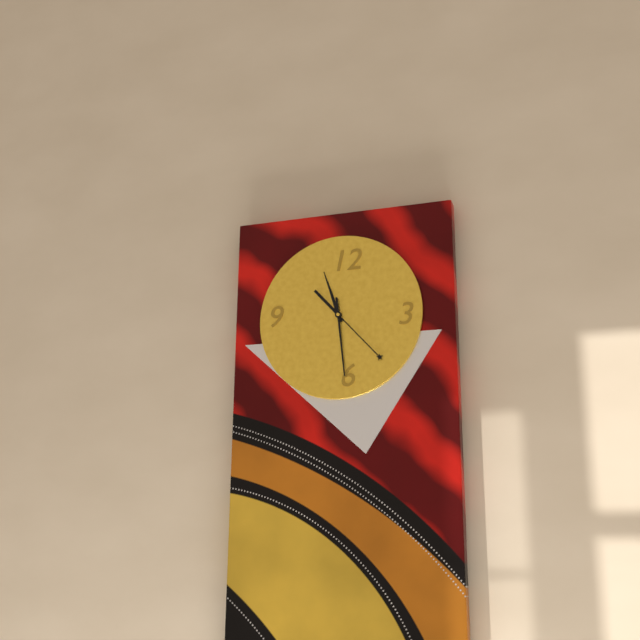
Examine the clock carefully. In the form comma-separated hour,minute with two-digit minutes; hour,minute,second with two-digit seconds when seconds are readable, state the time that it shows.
11,23,29
